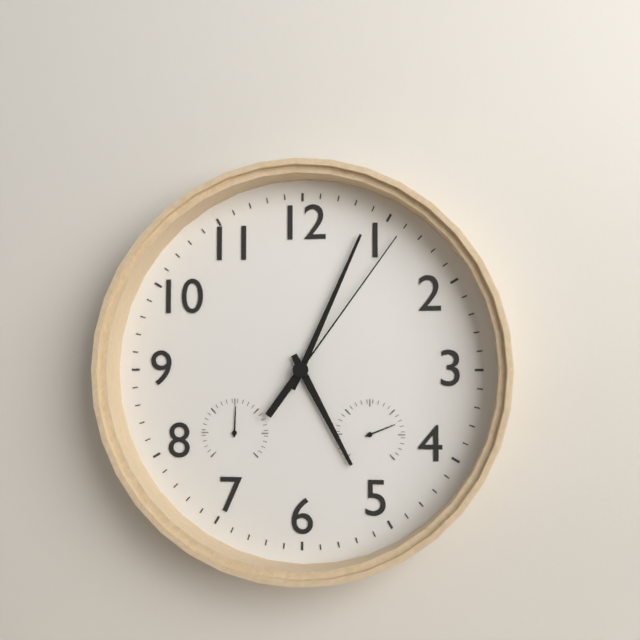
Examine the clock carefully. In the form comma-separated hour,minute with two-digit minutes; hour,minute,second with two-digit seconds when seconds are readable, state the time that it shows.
5,04,06
